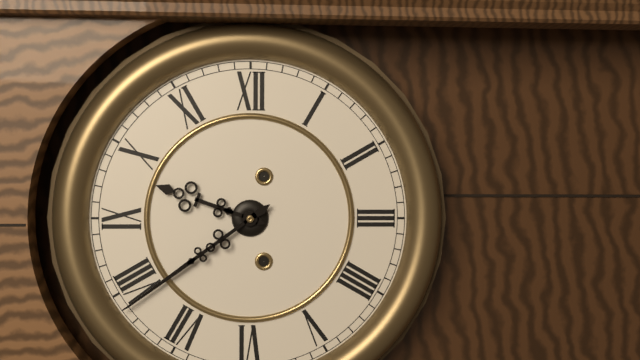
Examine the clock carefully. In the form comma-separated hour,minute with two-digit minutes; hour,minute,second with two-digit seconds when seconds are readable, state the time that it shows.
9,39
